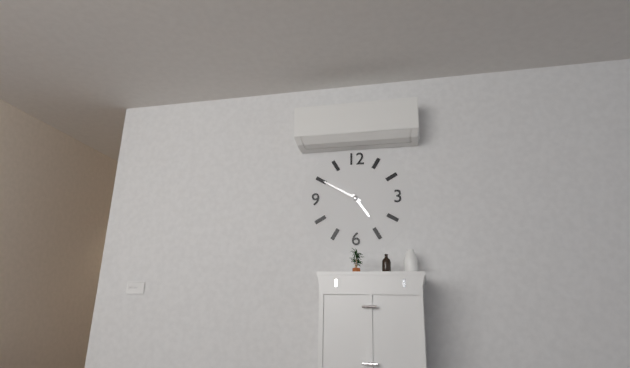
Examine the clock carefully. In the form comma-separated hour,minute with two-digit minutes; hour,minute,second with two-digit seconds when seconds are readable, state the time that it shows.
4,50
